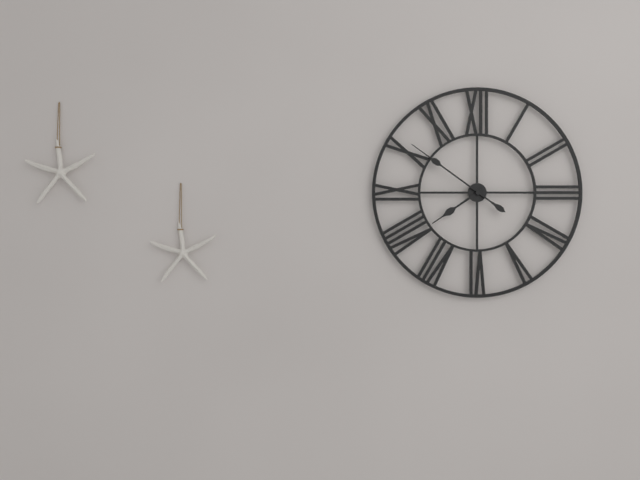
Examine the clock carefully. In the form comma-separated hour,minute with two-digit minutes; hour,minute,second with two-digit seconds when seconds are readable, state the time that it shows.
7,51
